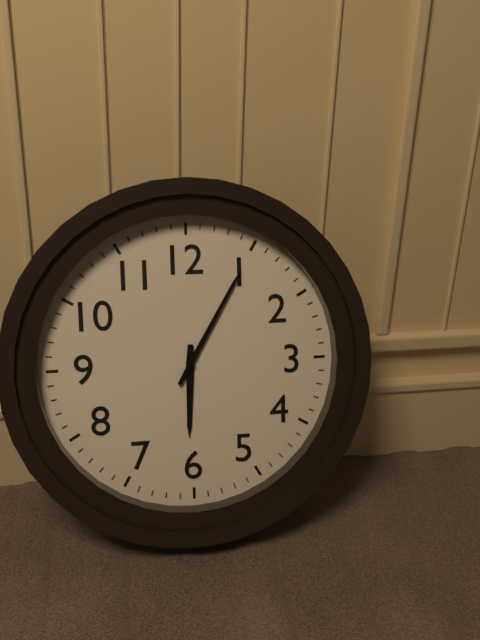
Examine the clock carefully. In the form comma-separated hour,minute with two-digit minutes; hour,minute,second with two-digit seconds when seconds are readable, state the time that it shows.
6,05
